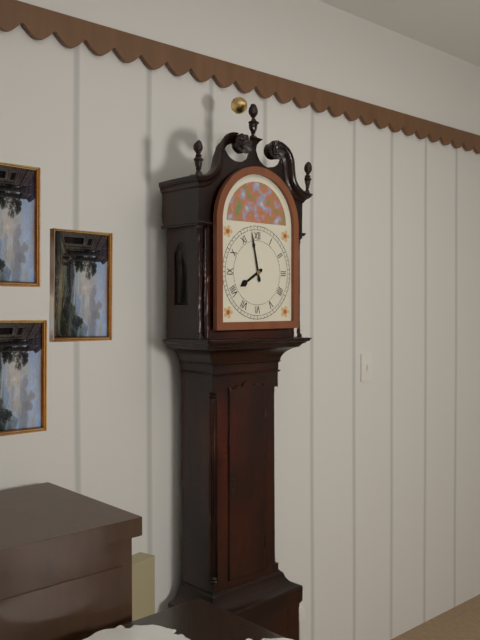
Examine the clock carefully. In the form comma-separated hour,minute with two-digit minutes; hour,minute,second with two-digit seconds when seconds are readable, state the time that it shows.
7,58
